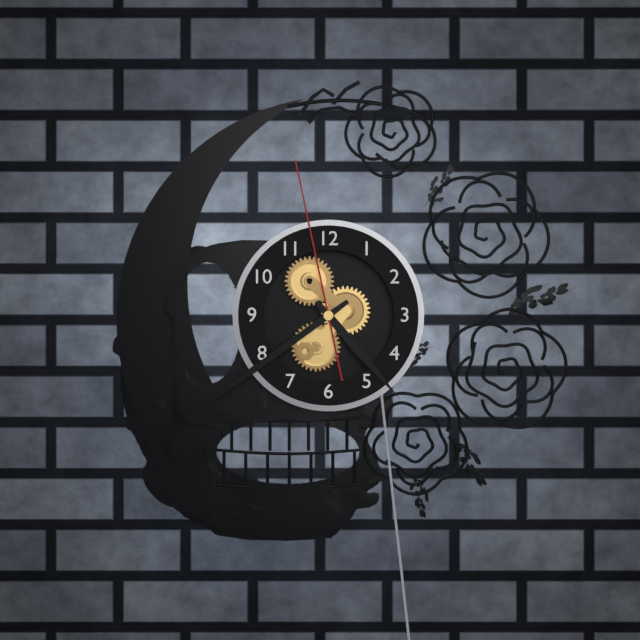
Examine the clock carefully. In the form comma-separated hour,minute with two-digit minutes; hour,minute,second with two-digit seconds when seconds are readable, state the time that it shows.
4,39,58
